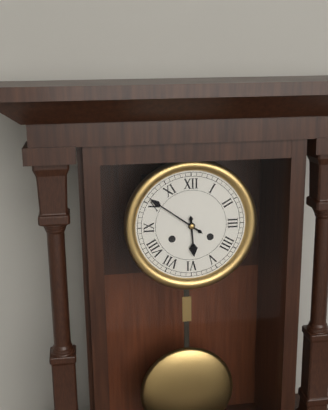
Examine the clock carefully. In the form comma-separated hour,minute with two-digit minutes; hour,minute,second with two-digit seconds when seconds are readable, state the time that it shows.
5,51
